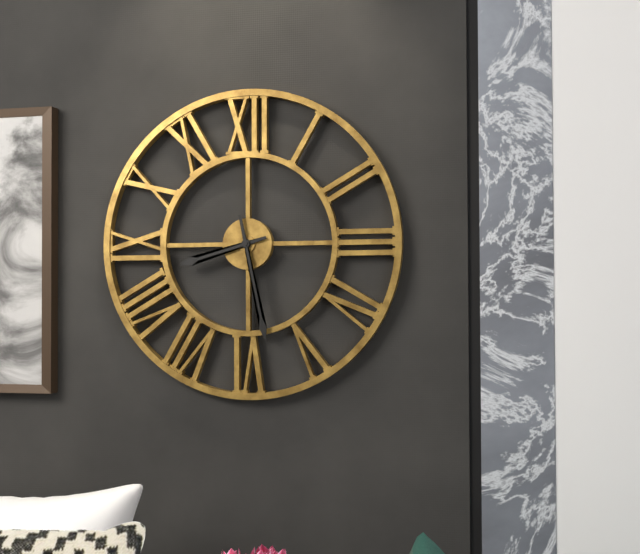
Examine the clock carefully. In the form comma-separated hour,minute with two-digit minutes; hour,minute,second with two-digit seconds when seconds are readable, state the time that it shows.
8,28
